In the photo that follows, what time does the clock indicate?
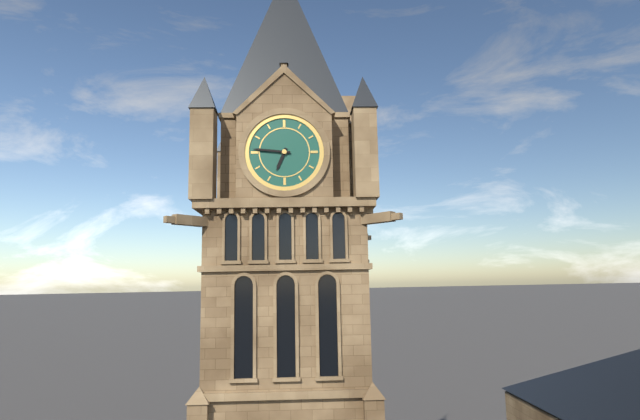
6:46
